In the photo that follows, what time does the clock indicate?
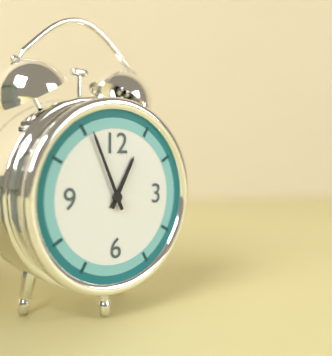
12:56
